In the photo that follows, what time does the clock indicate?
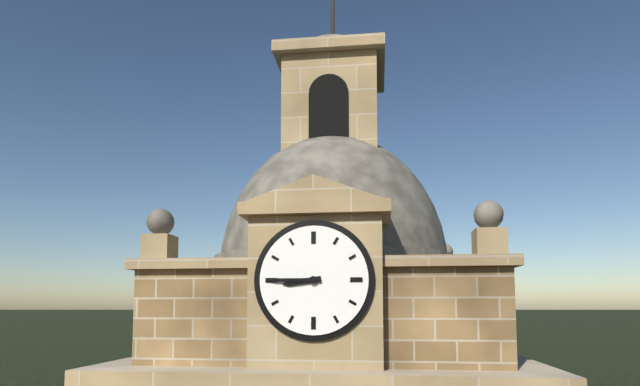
8:45
